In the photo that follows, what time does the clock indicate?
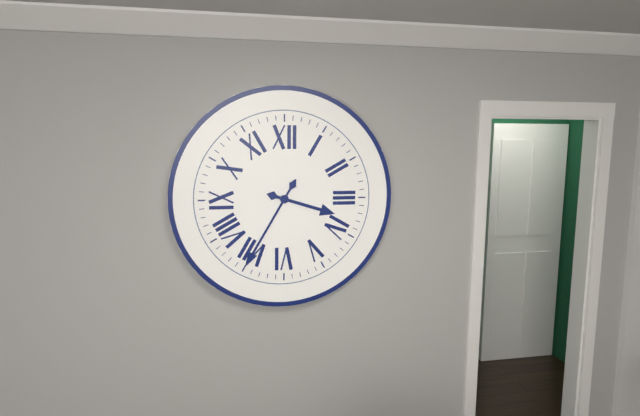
3:35
